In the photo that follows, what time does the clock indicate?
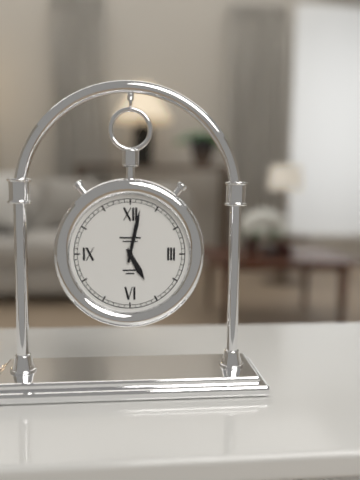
5:02
